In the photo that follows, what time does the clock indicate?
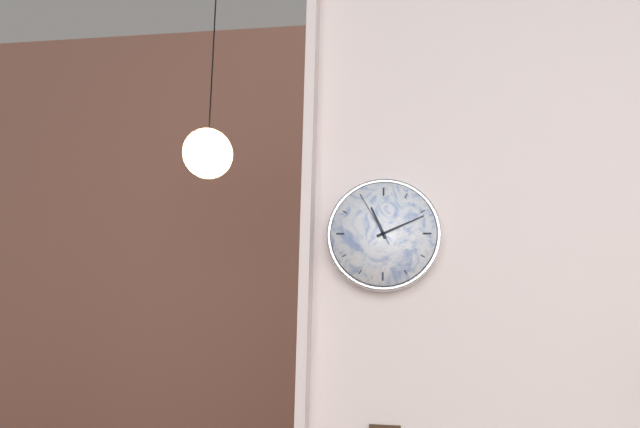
11:11:55
